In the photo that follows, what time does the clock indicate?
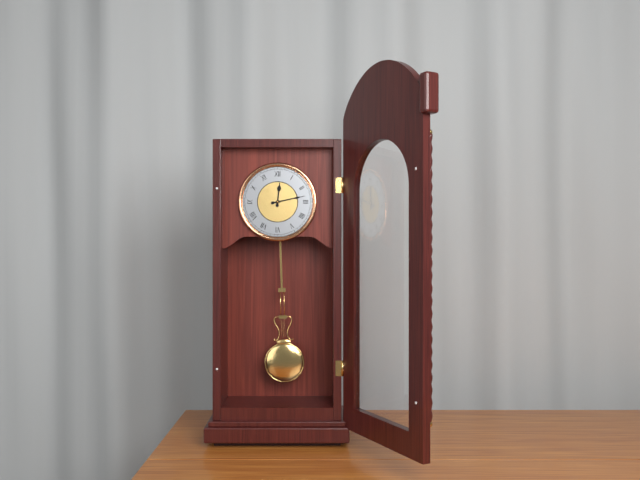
12:13
